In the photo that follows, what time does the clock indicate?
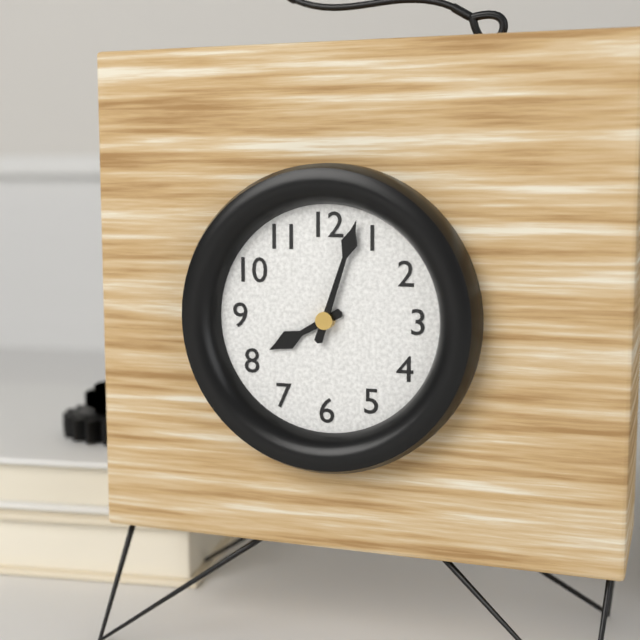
8:03
